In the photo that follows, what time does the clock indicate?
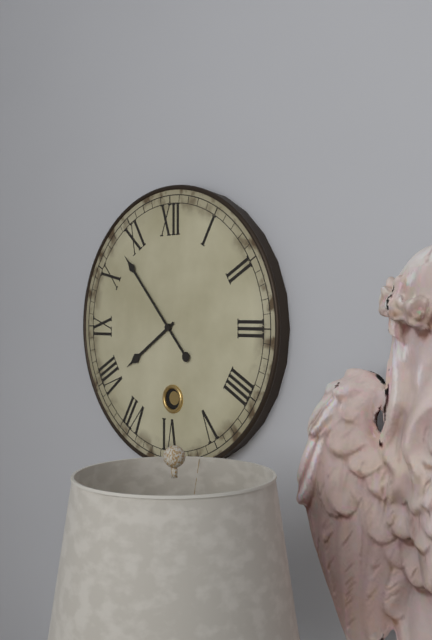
7:53
